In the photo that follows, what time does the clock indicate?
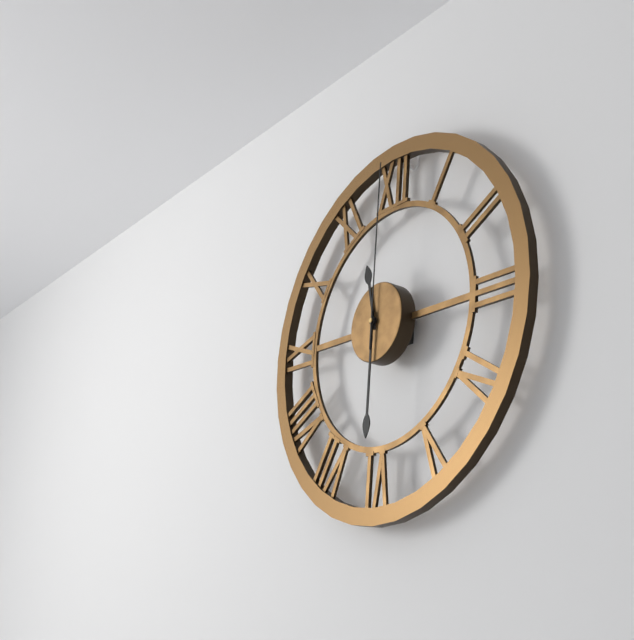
11:30:00
